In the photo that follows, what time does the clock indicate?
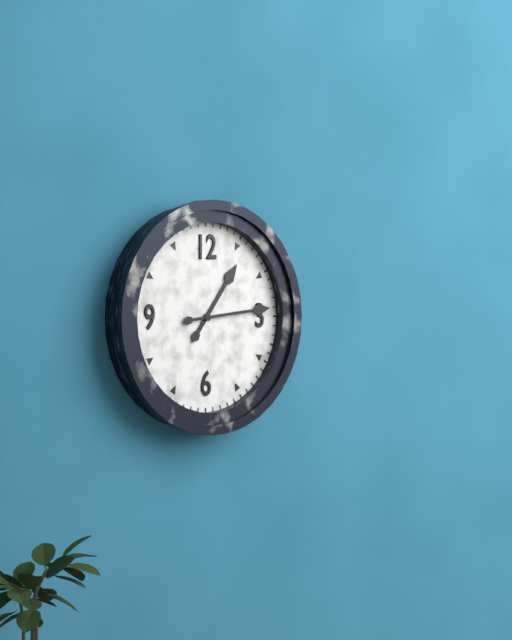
1:14
